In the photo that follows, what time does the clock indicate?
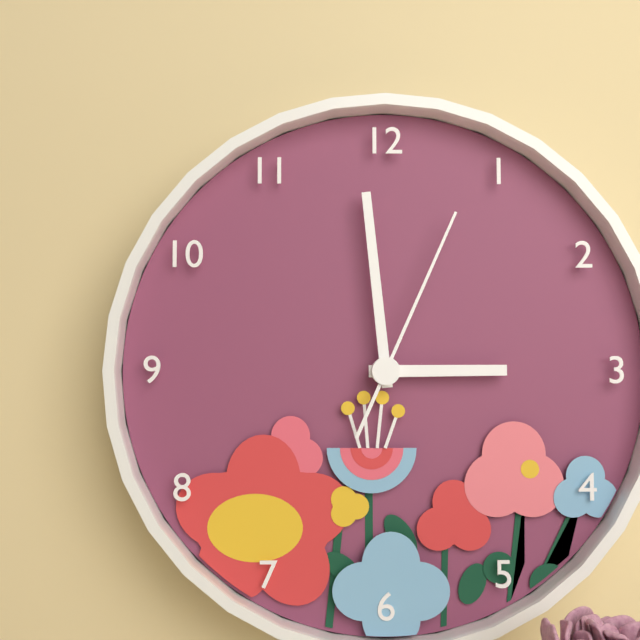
2:59:04
